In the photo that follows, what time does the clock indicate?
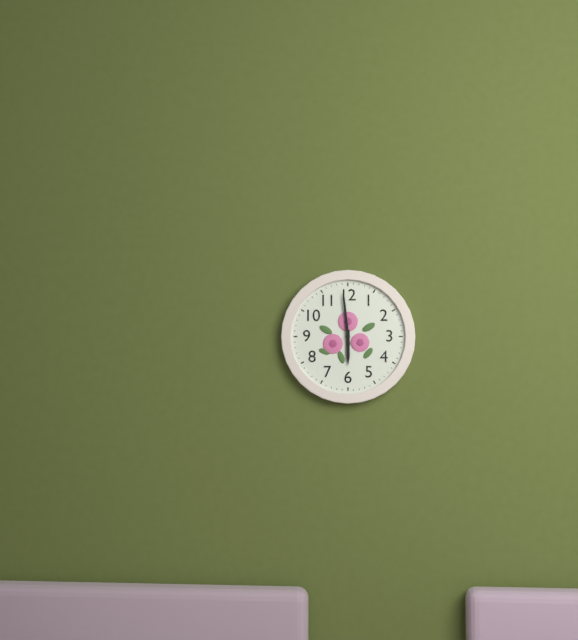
5:59
